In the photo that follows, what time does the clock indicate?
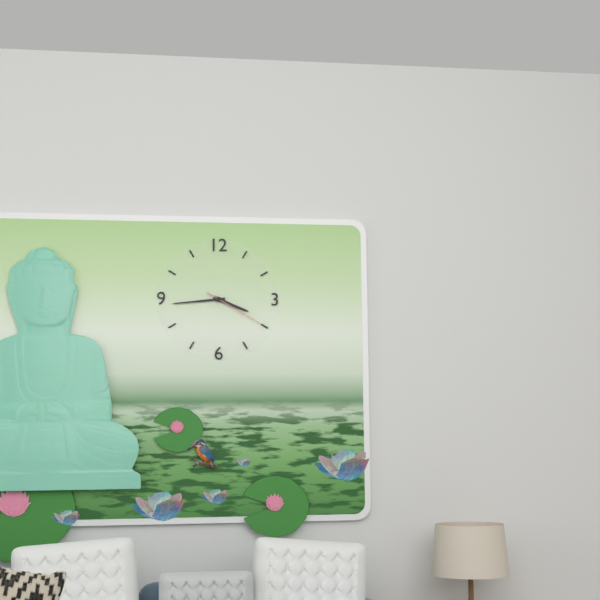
3:44:20
